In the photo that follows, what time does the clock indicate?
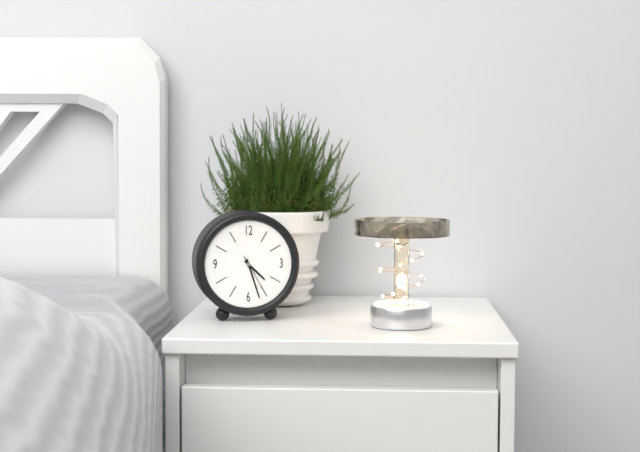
4:27
